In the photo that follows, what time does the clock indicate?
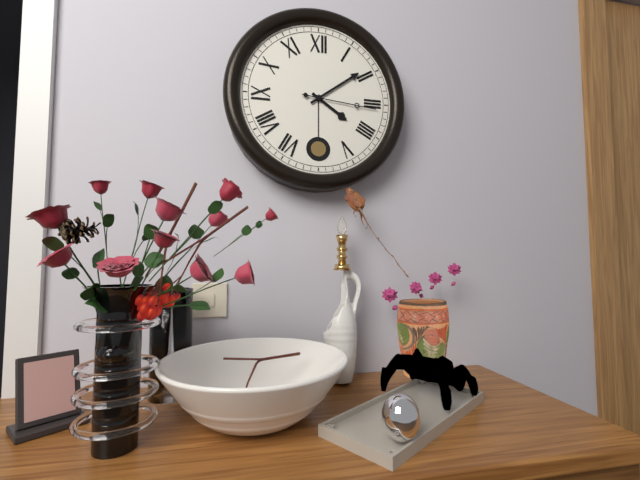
4:09:16
